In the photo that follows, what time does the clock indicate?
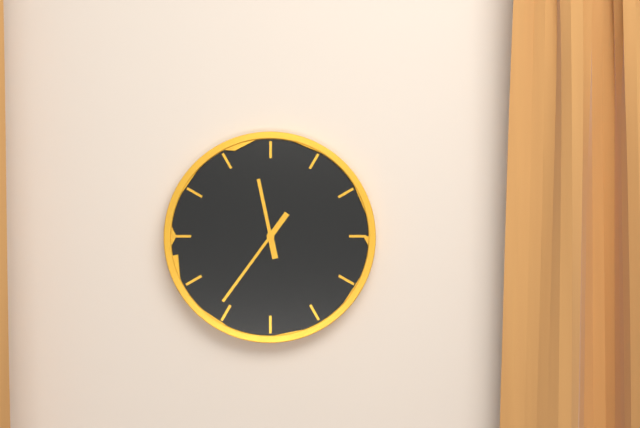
11:36
